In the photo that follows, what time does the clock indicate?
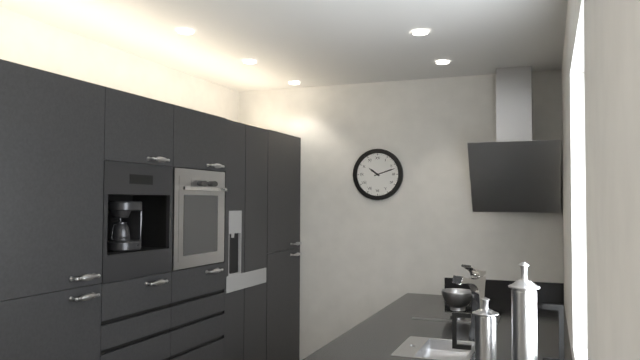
10:12
